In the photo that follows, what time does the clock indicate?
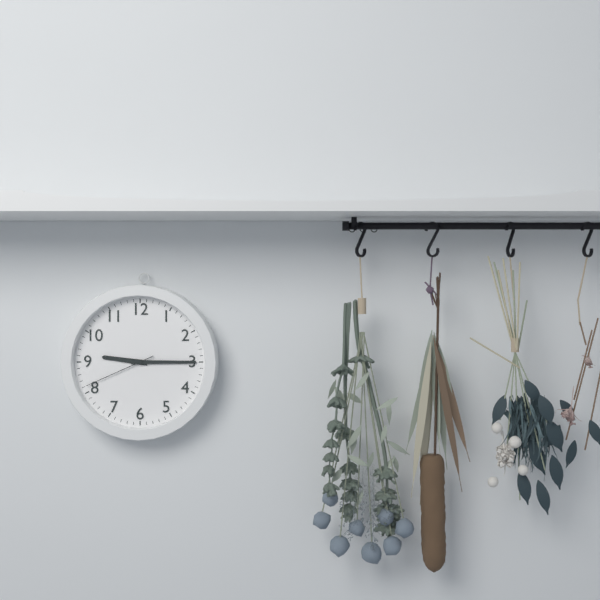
9:15:41
